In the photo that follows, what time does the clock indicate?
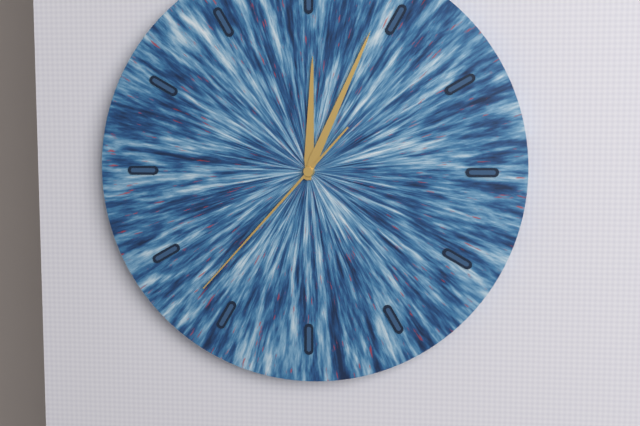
12:04:37
